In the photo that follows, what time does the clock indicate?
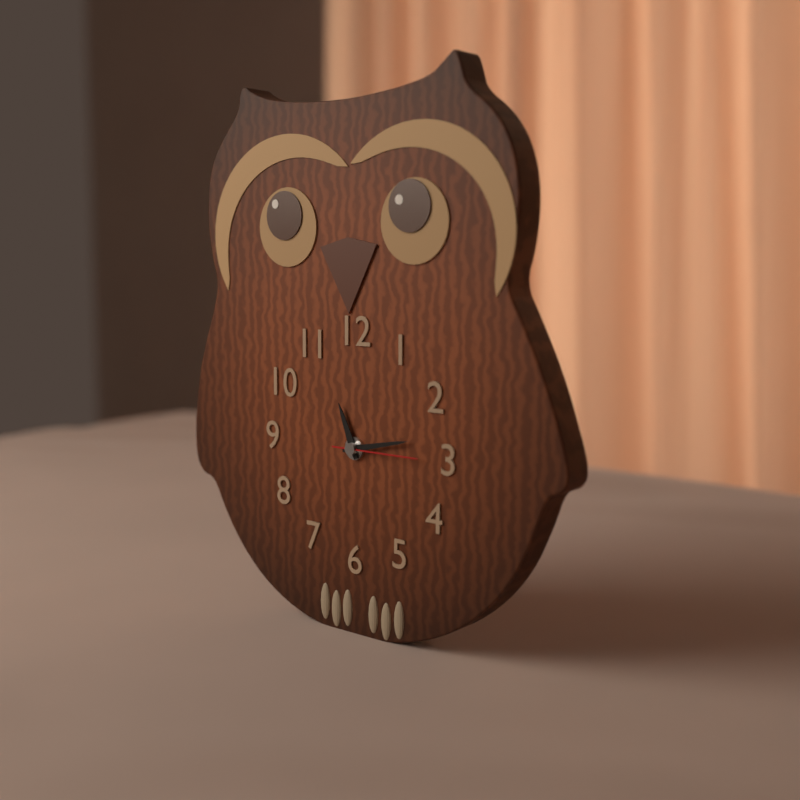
11:13:15
